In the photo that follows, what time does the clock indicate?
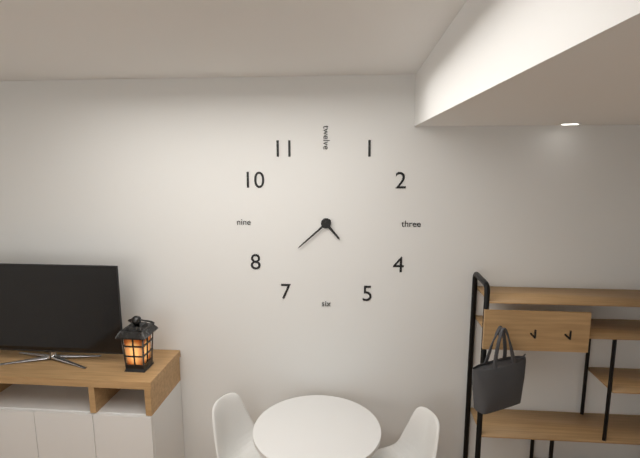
4:38
